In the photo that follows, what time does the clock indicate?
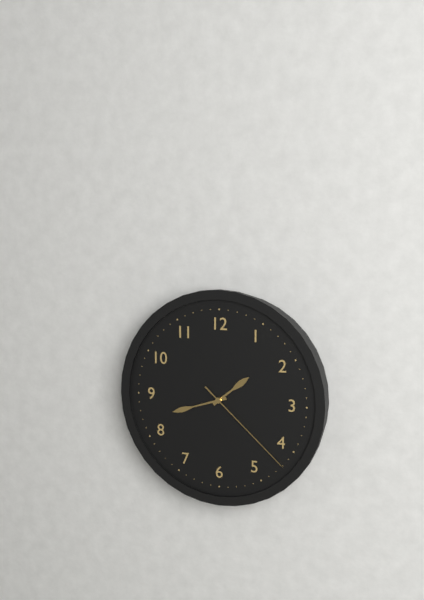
1:42:22
